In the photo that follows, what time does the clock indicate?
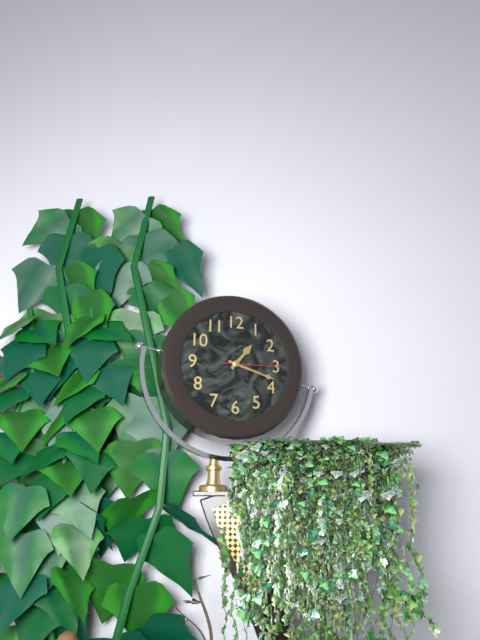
1:18:15
